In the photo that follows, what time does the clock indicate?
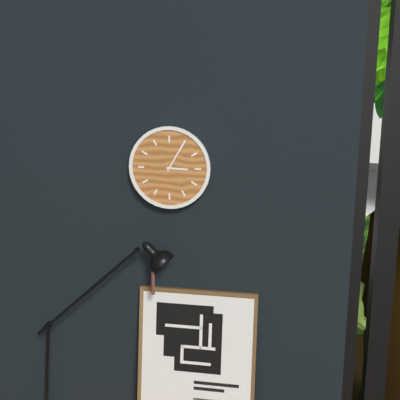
3:05
